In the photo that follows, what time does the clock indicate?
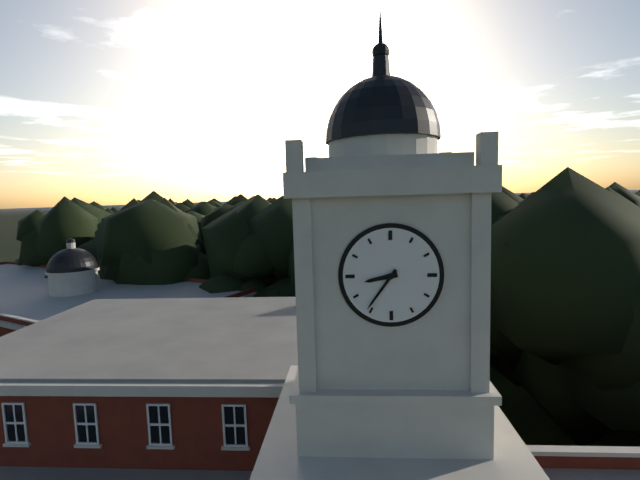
8:36
